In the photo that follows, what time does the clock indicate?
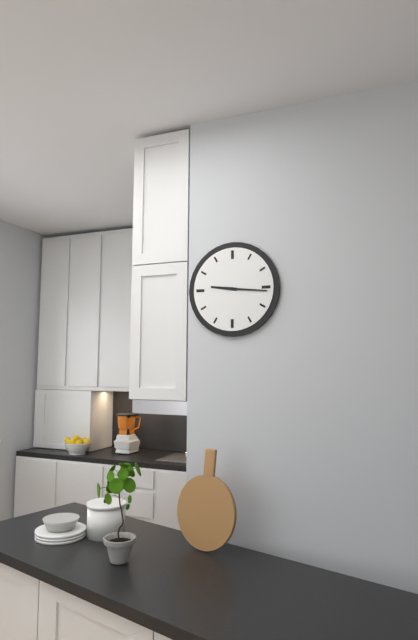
9:16
